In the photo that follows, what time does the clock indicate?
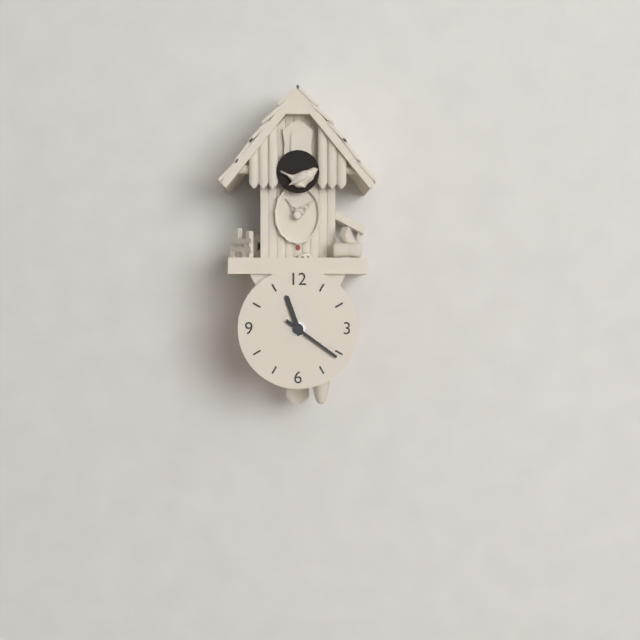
11:21
